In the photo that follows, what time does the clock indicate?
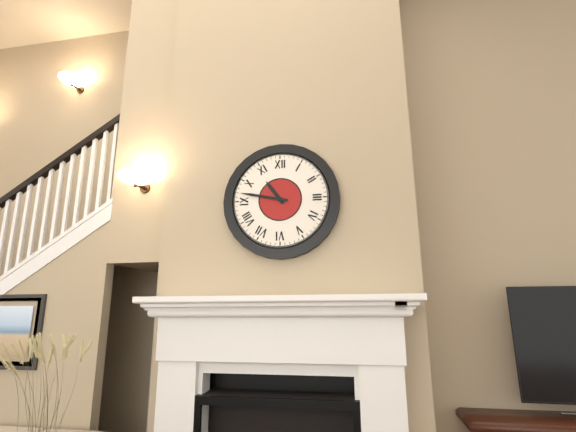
10:47
